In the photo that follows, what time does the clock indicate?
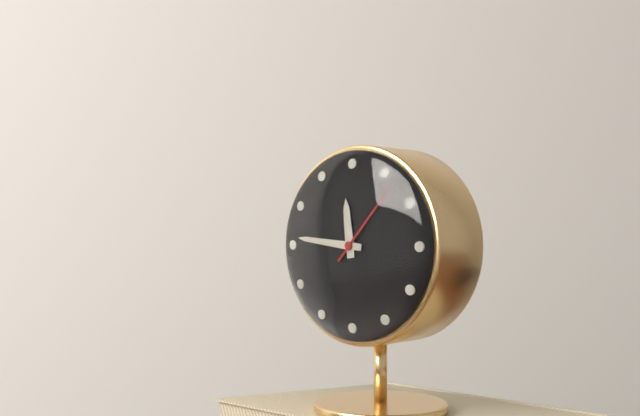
11:46:07
